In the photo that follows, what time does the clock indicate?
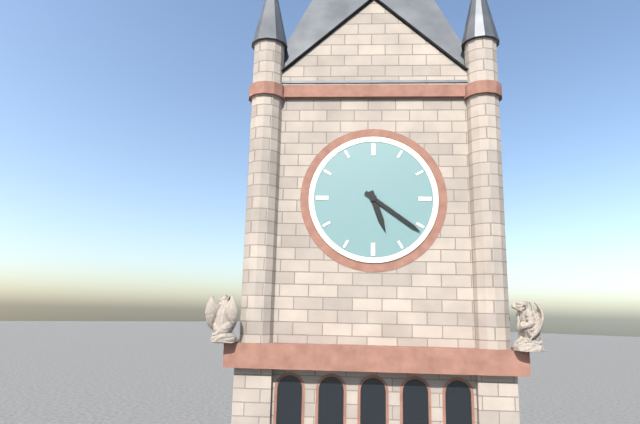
5:21
